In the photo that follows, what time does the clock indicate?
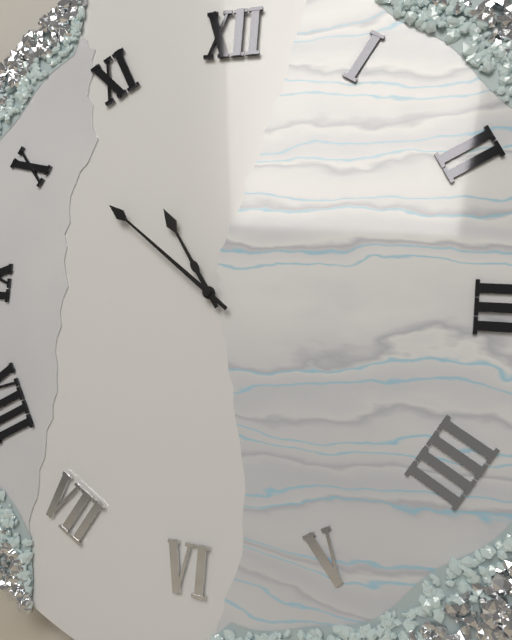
10:51
